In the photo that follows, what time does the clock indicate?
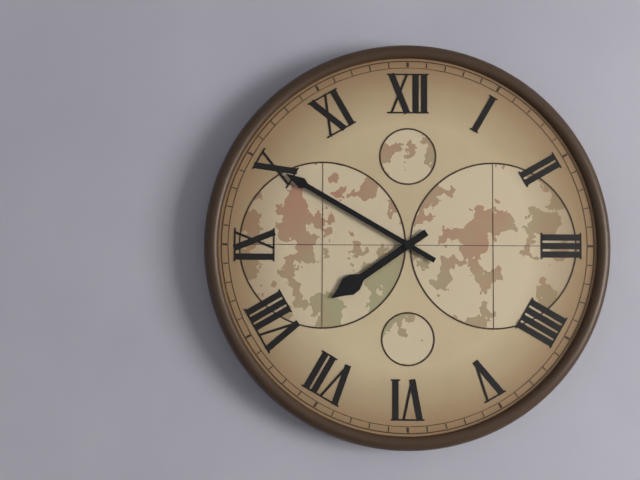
7:50
